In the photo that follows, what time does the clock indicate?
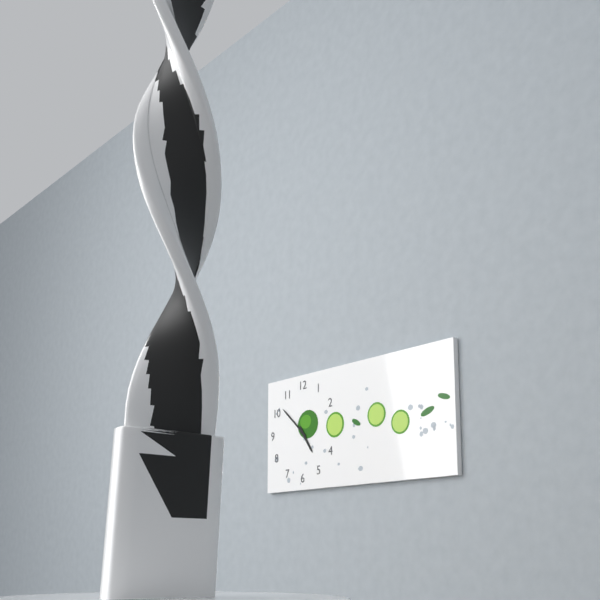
4:52
